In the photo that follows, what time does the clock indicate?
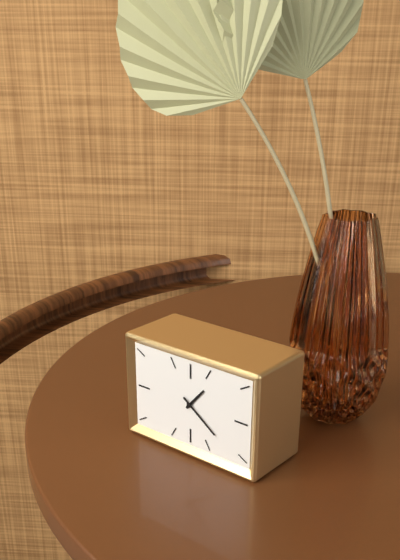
1:21
